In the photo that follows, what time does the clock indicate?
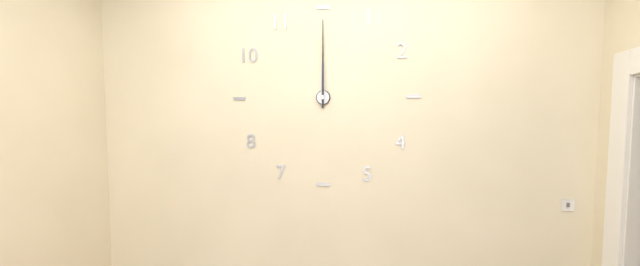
12:00
